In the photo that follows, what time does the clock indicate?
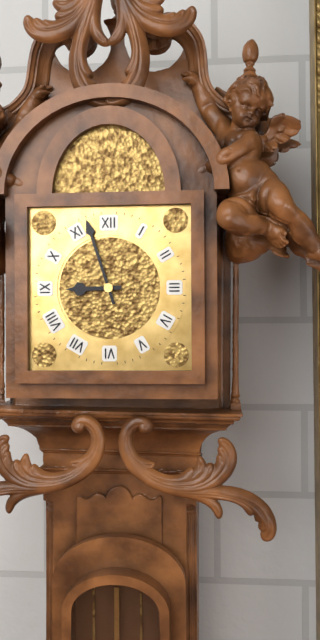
8:57
